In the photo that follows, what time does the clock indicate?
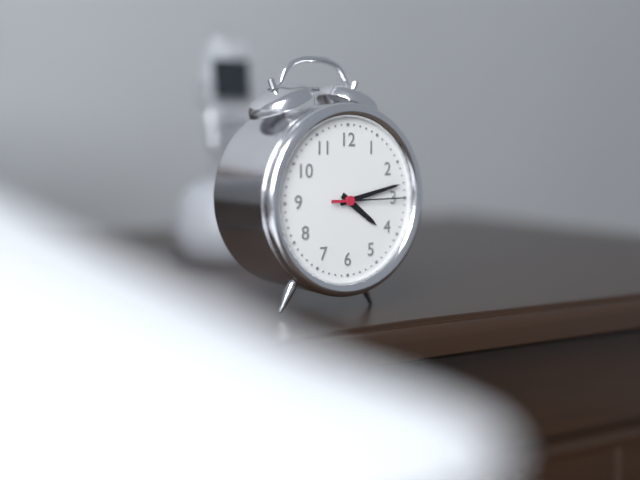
4:13:15
